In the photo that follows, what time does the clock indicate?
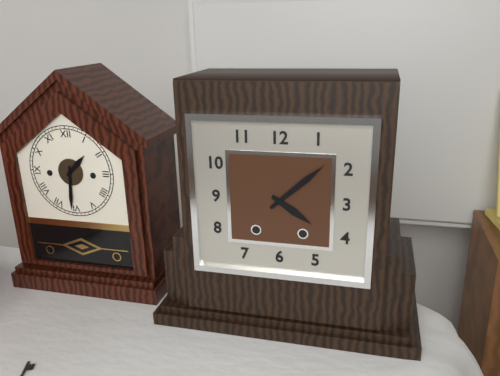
4:08
